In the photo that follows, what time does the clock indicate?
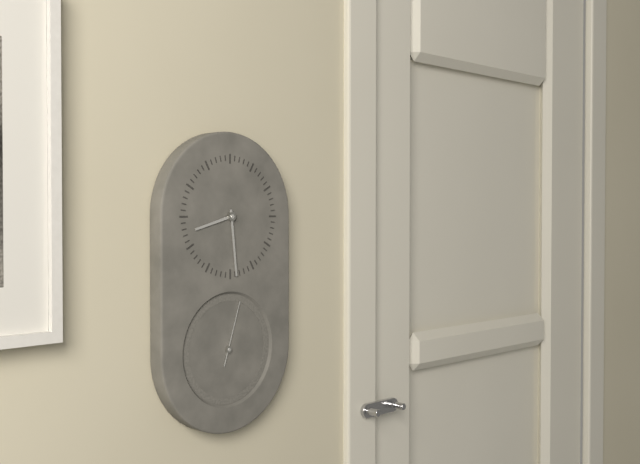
8:29:03
